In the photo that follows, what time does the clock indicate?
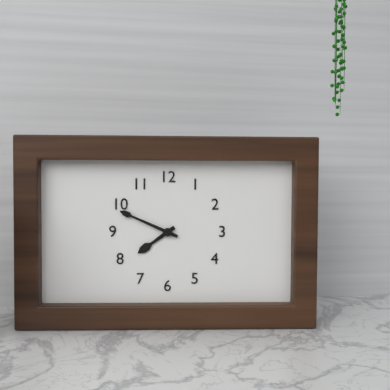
7:49
